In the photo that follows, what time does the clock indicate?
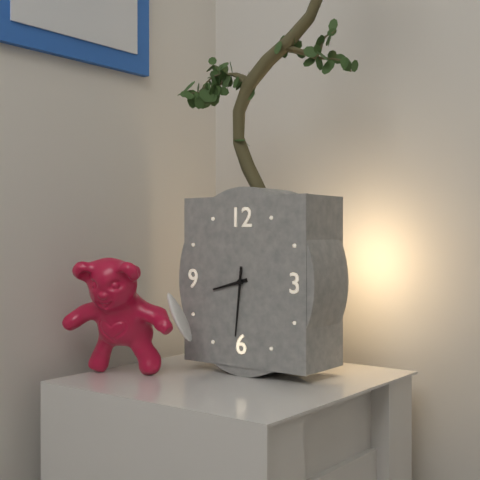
8:31
